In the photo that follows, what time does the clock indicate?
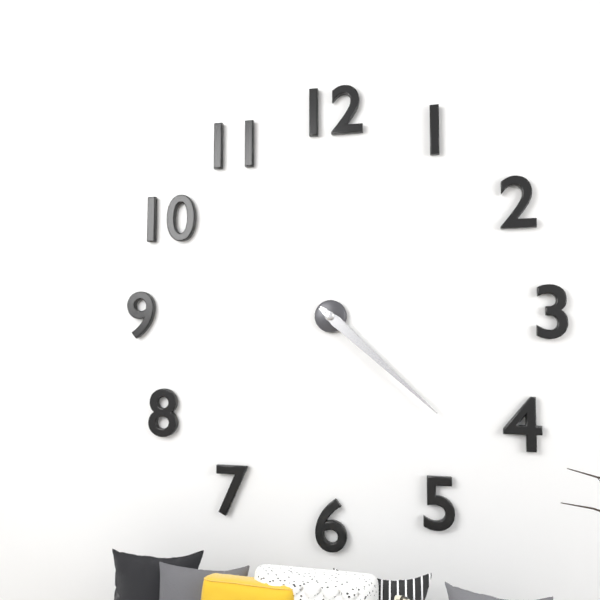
4:22
